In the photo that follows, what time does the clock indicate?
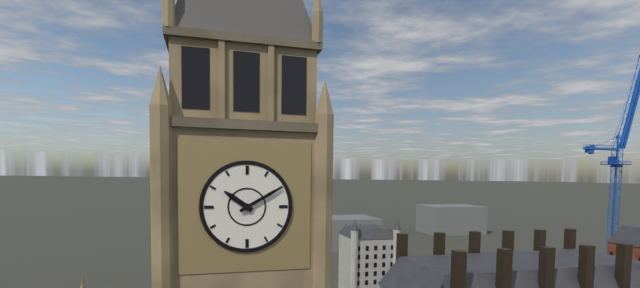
10:10
